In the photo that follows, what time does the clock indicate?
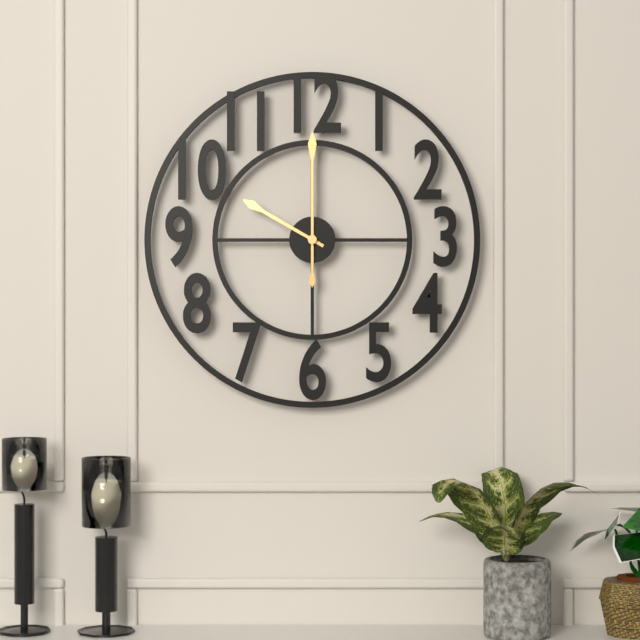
10:00
